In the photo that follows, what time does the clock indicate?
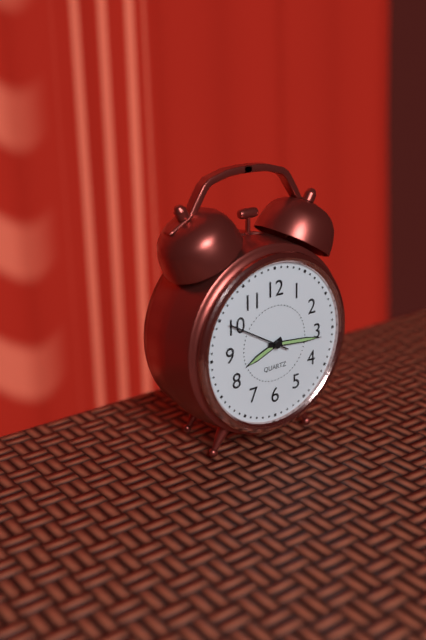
8:16:50
